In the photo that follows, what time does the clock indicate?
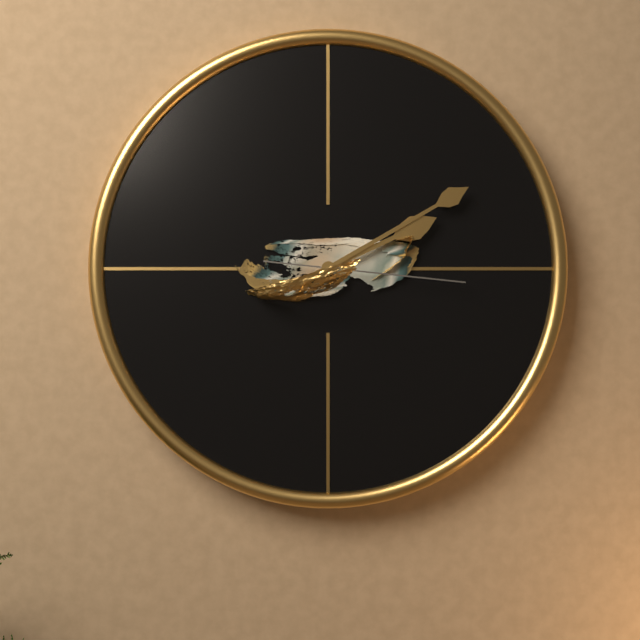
2:10:16
